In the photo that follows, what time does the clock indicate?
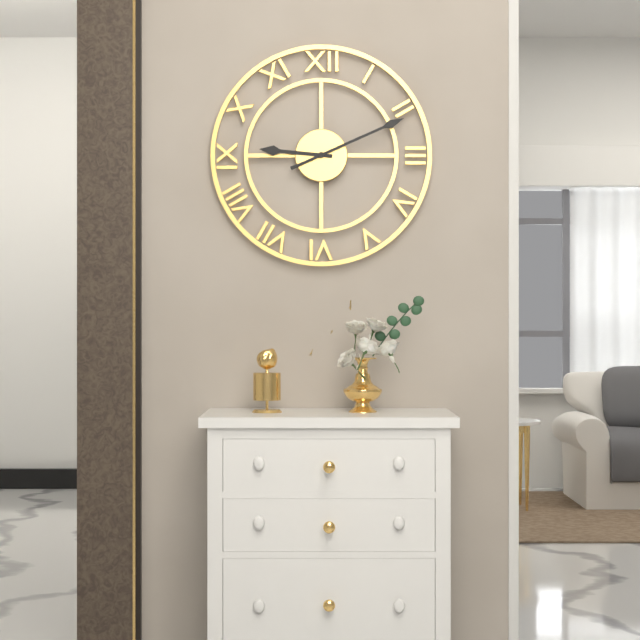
9:11
